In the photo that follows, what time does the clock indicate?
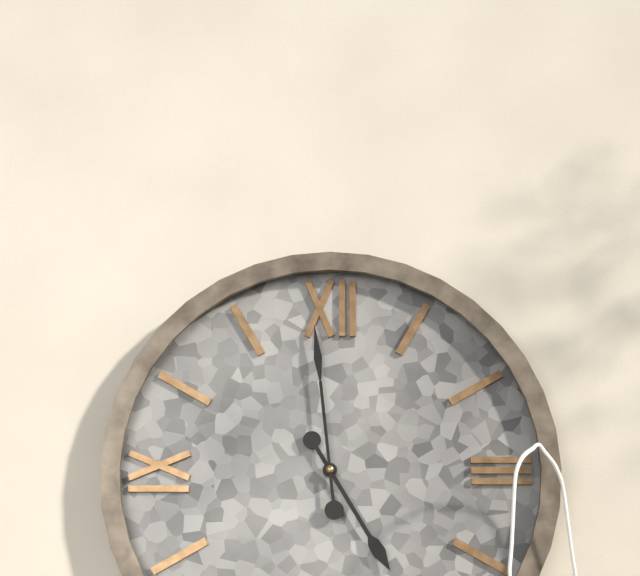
4:59
